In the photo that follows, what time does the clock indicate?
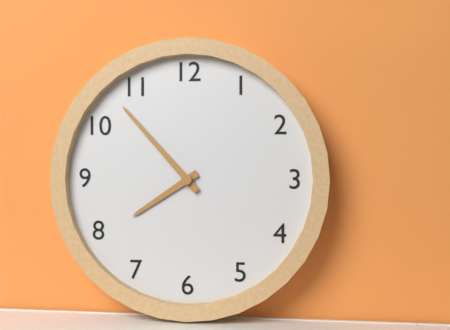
7:53
